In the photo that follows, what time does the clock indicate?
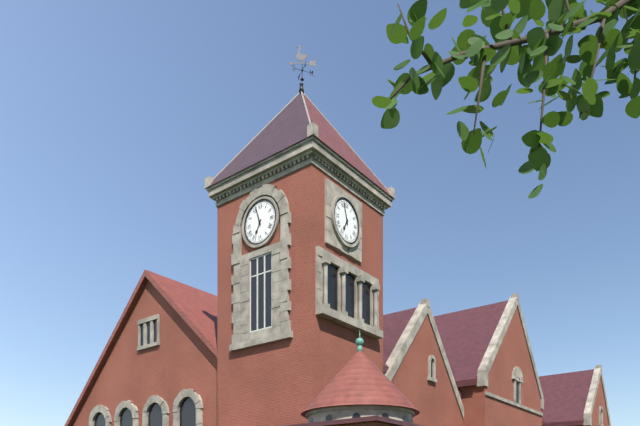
6:57
